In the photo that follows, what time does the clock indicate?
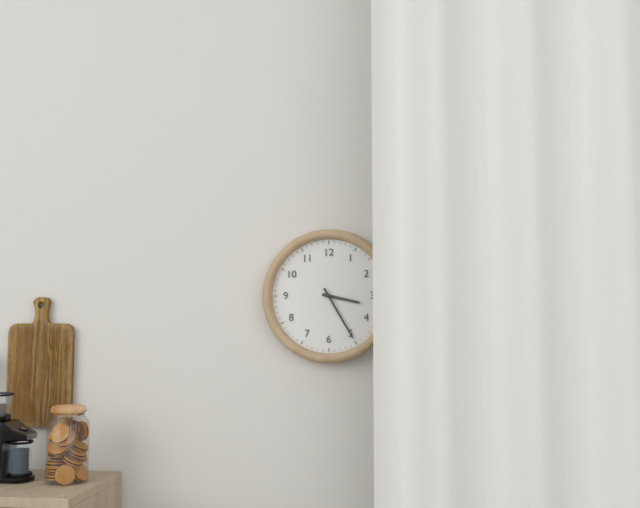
3:25
